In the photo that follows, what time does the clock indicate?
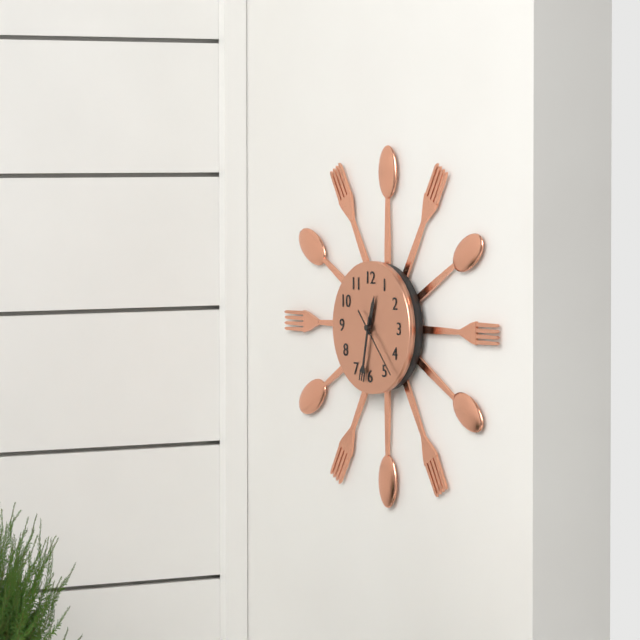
12:32:23
